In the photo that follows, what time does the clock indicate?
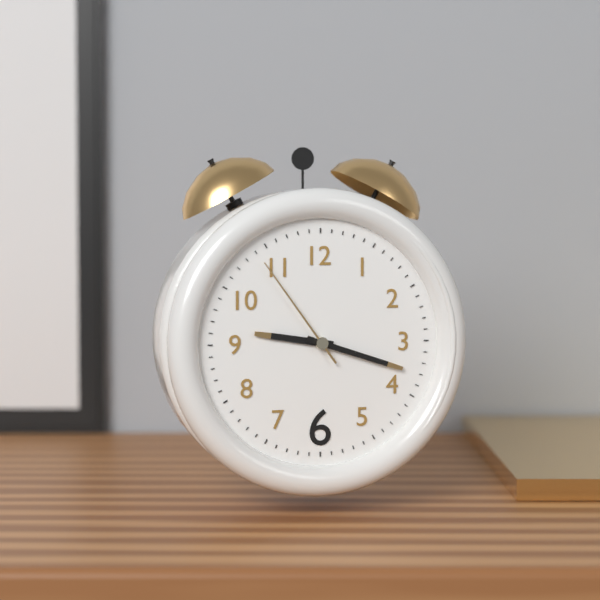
9:18:54
